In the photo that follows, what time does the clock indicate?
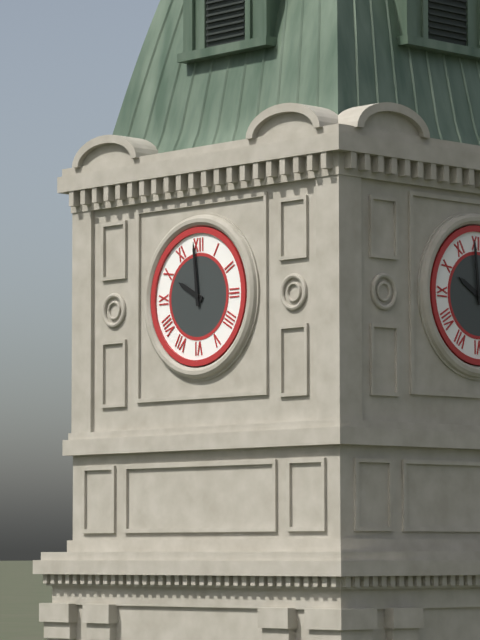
9:59
